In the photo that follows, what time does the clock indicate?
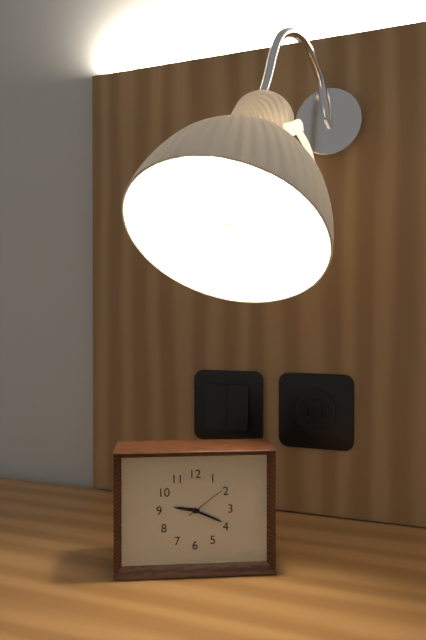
9:19
